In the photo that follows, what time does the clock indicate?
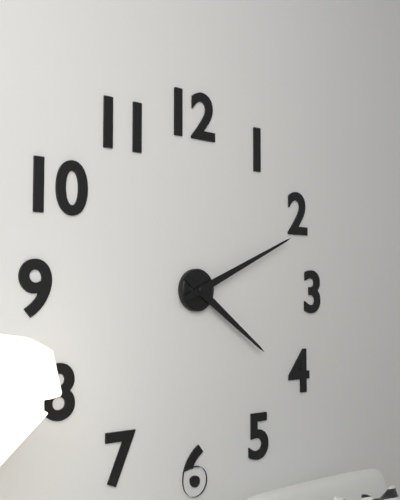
4:11
